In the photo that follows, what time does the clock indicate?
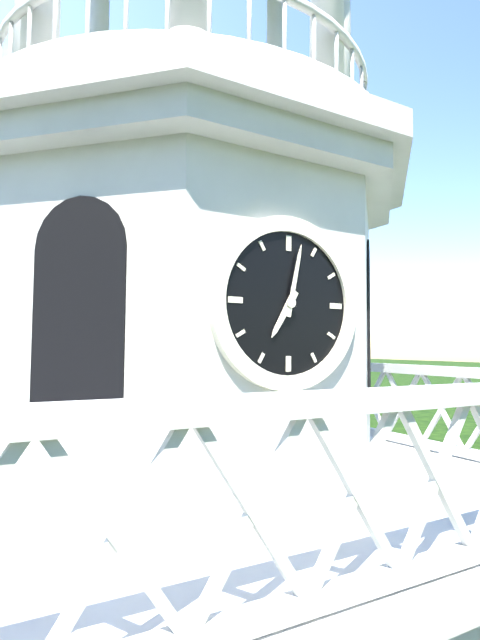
7:02
